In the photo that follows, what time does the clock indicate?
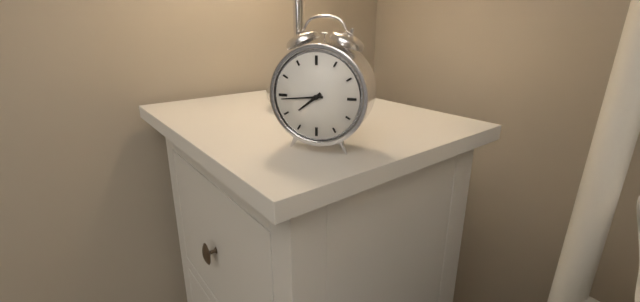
7:44
